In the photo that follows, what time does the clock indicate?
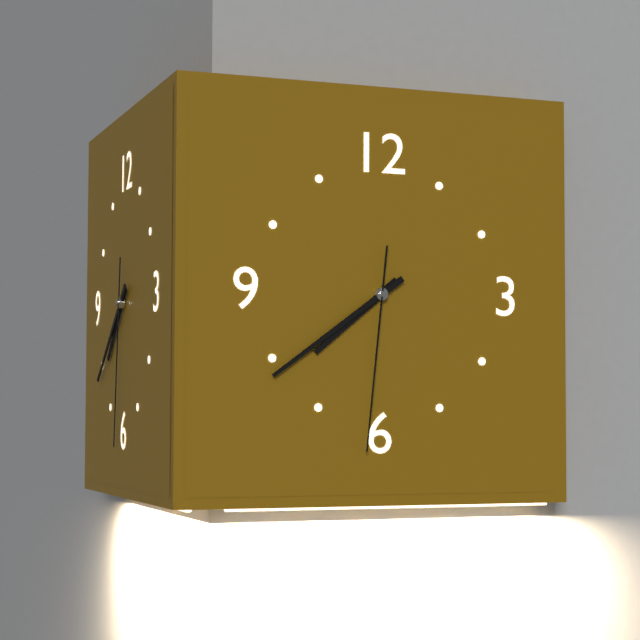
7:39:31
